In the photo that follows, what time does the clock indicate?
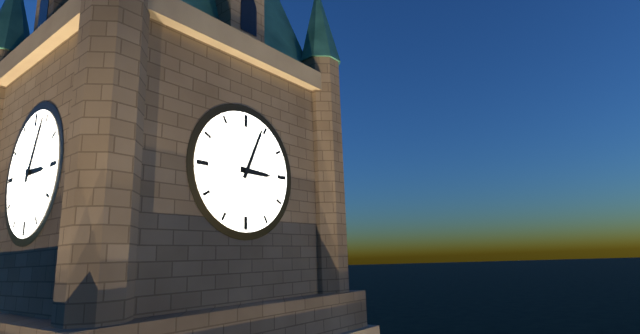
3:04
